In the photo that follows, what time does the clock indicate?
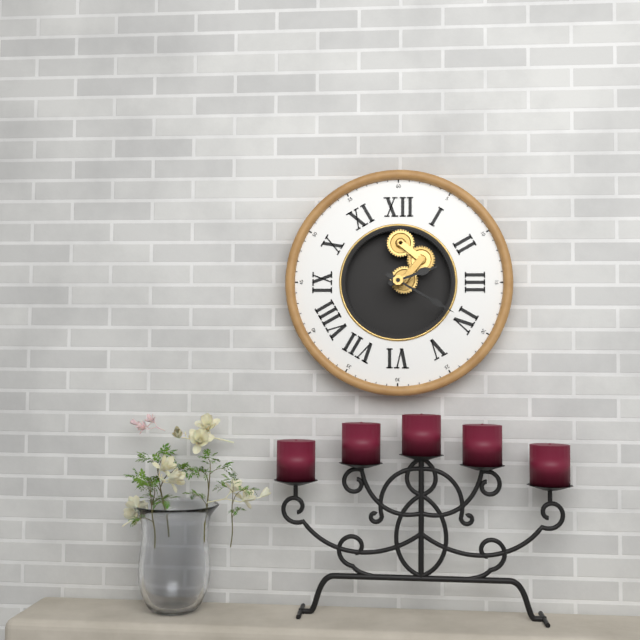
2:20
